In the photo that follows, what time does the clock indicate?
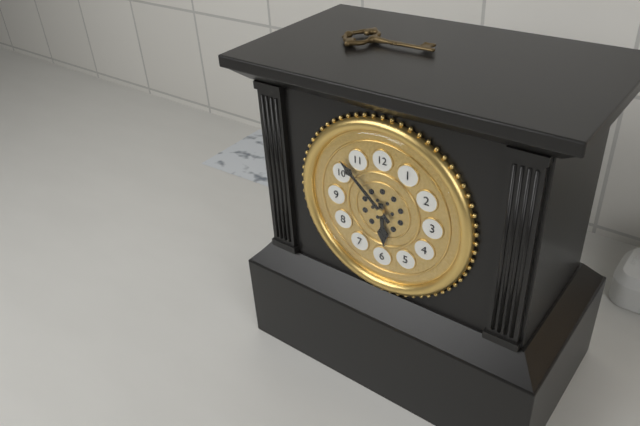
5:52
